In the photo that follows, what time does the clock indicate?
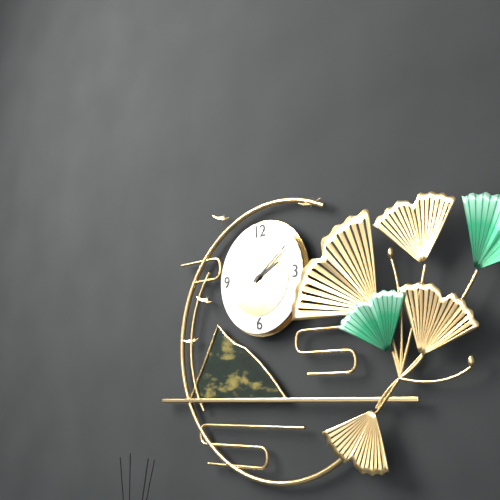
2:09
